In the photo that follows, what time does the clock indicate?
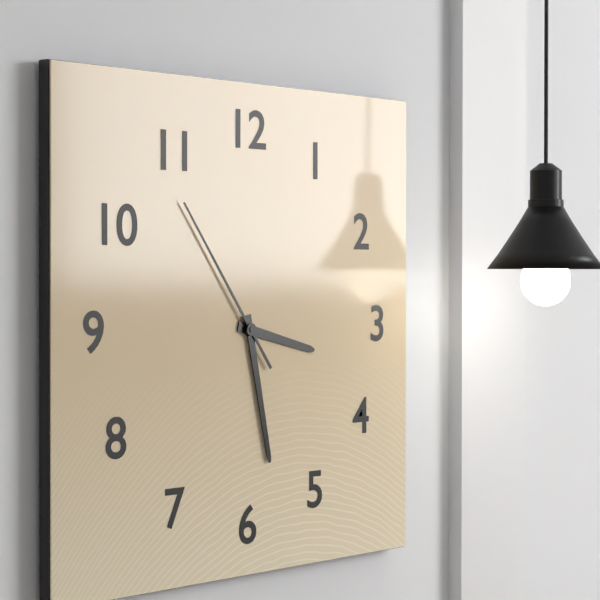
3:28:54
